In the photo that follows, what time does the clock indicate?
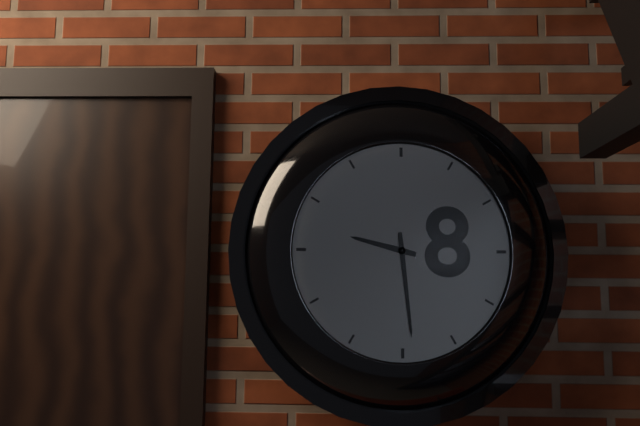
9:29
